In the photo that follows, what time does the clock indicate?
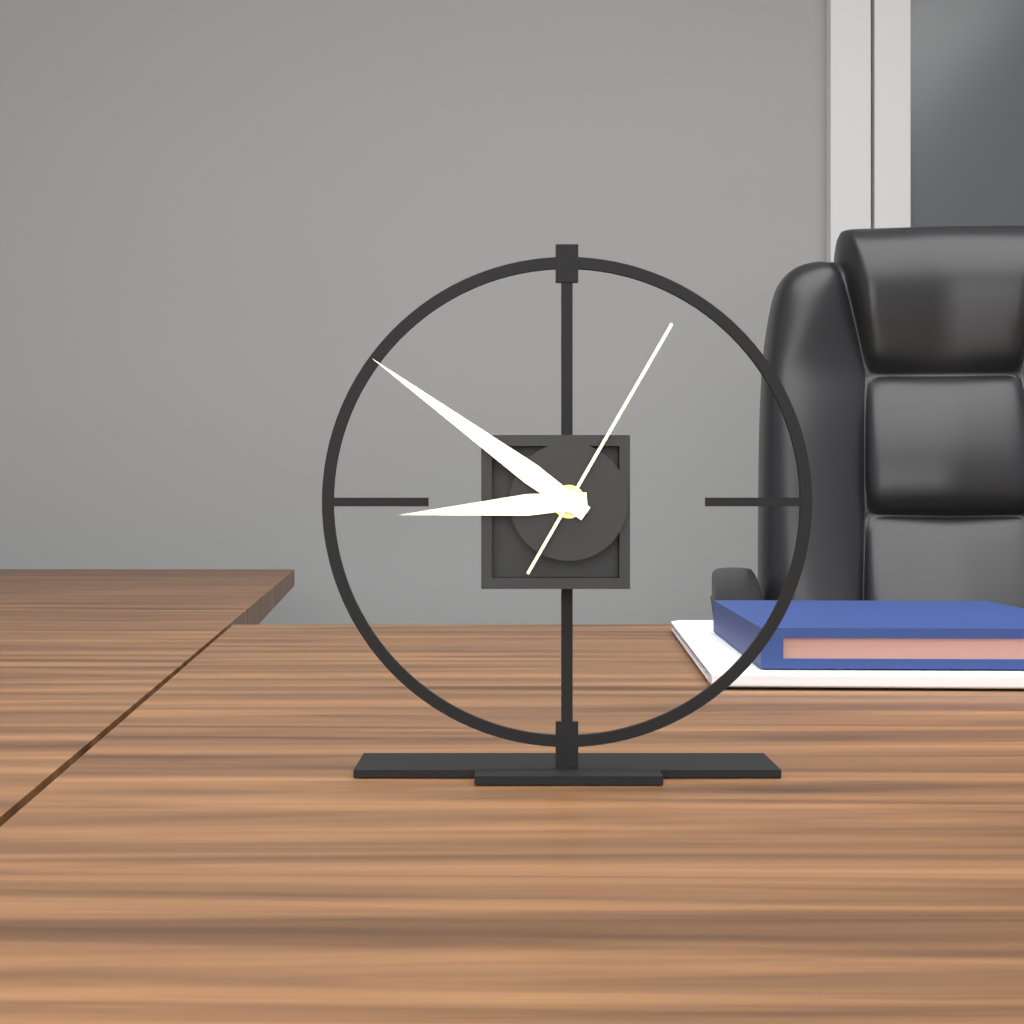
8:51:05
